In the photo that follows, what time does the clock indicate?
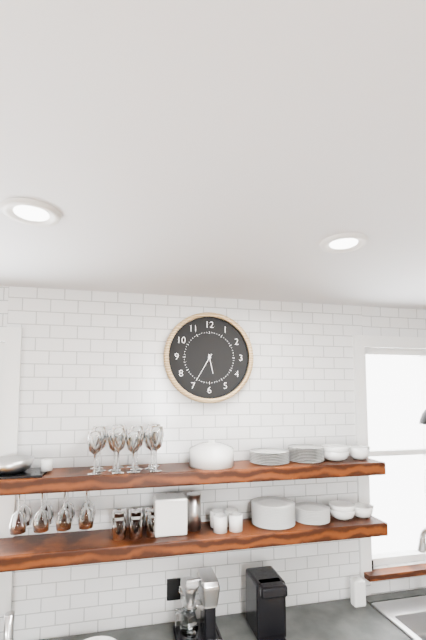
5:35
